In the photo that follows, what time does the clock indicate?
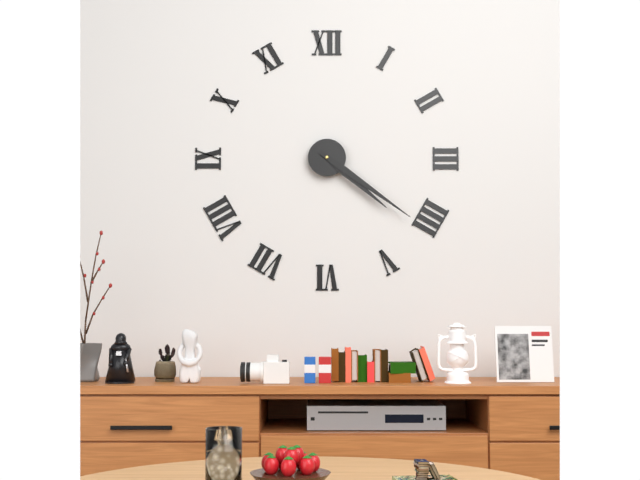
4:21
